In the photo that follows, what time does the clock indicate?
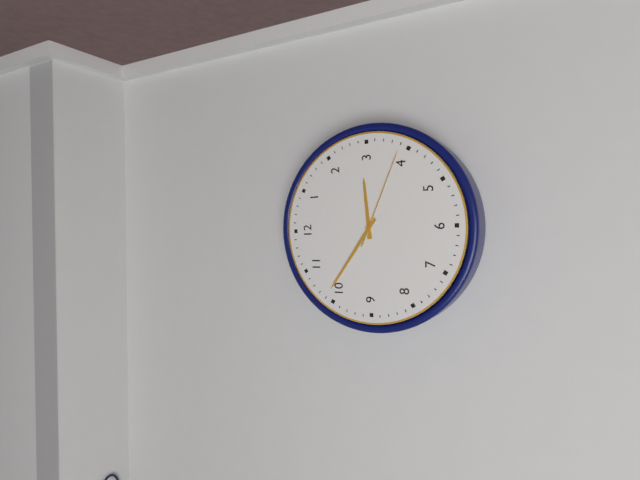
2:51:19
